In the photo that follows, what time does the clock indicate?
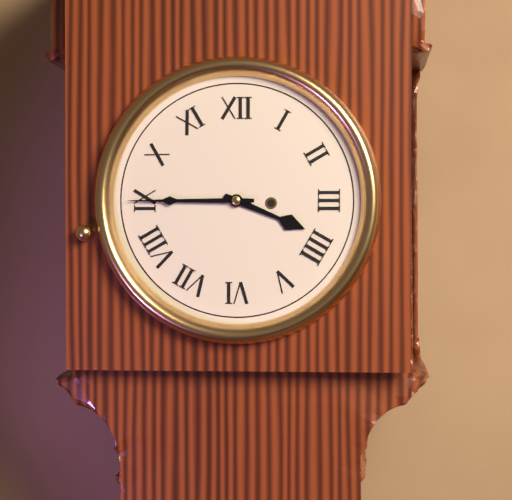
3:45
